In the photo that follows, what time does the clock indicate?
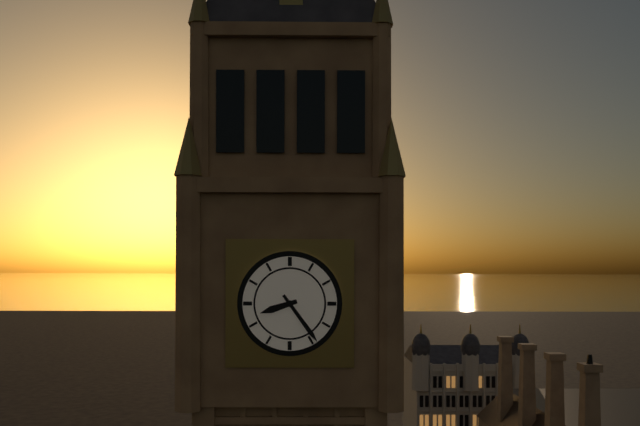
8:24
